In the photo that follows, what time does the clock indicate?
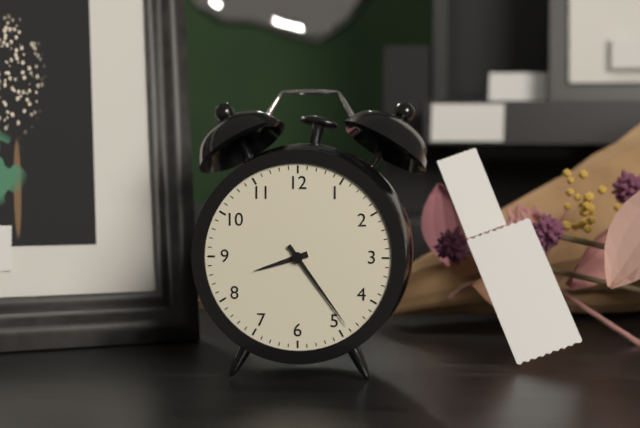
8:24
